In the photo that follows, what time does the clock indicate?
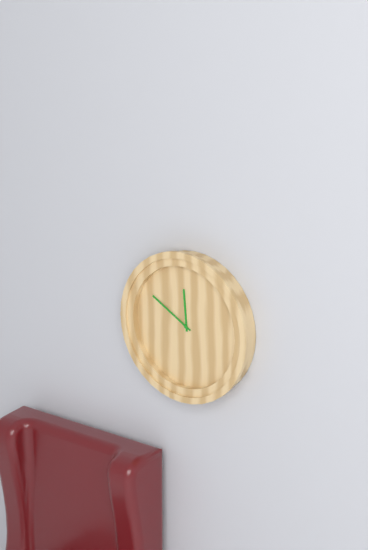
11:50
